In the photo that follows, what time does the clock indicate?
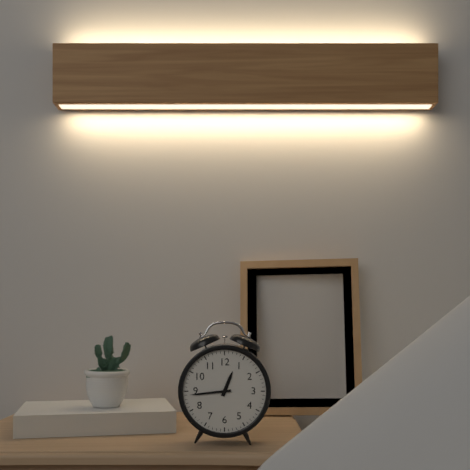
12:44
